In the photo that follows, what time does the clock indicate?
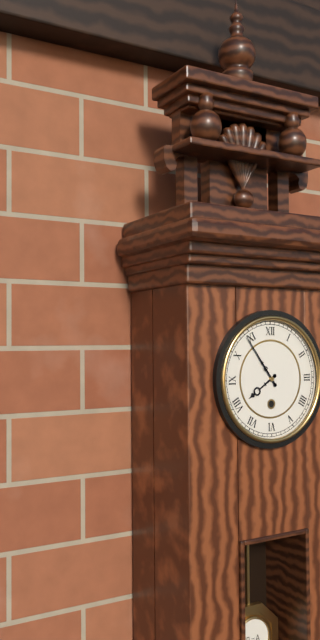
7:54
